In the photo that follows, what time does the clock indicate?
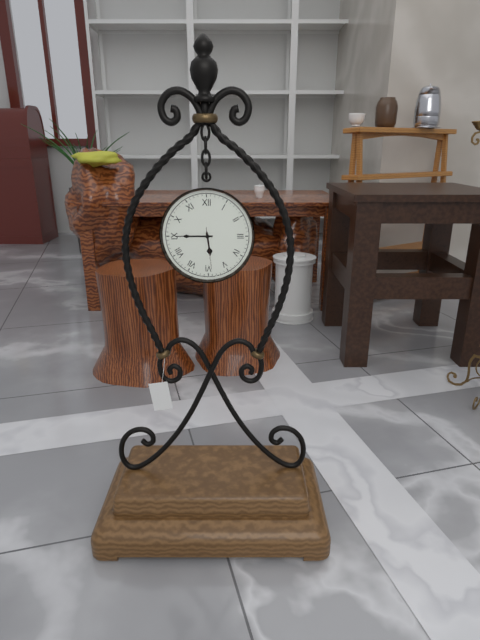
5:45
